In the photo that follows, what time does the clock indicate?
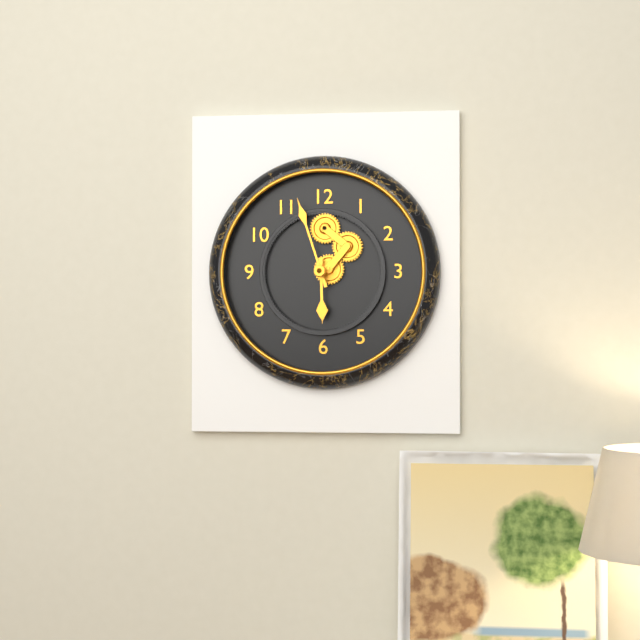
5:57
